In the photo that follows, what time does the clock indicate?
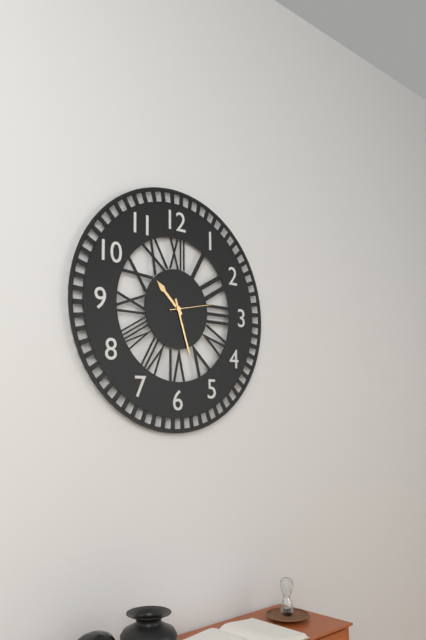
10:27:13
